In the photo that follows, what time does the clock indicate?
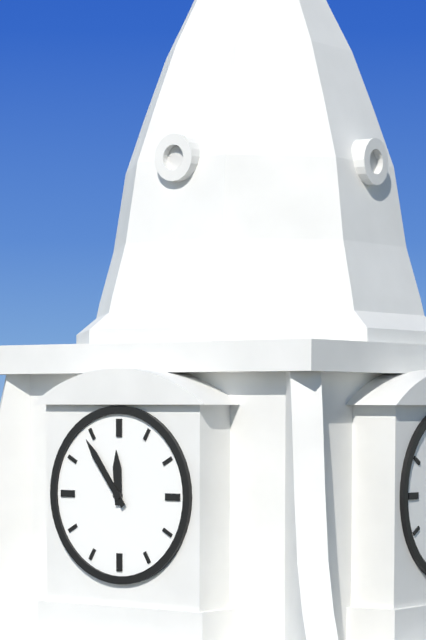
11:54
